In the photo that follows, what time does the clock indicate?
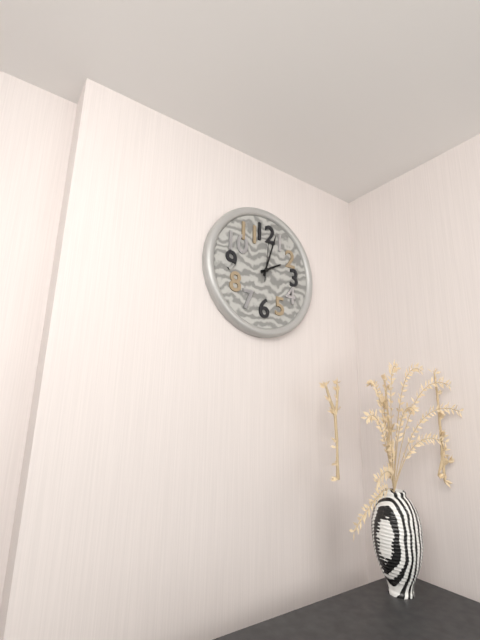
2:03
